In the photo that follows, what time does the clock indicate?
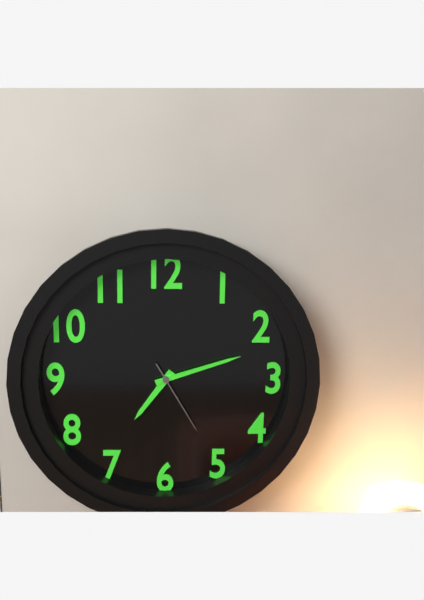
7:12:25
